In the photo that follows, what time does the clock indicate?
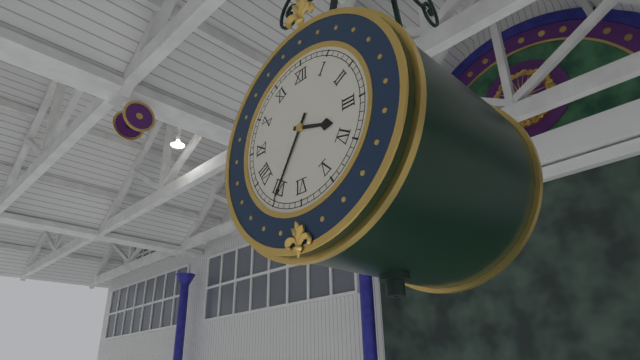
3:35
